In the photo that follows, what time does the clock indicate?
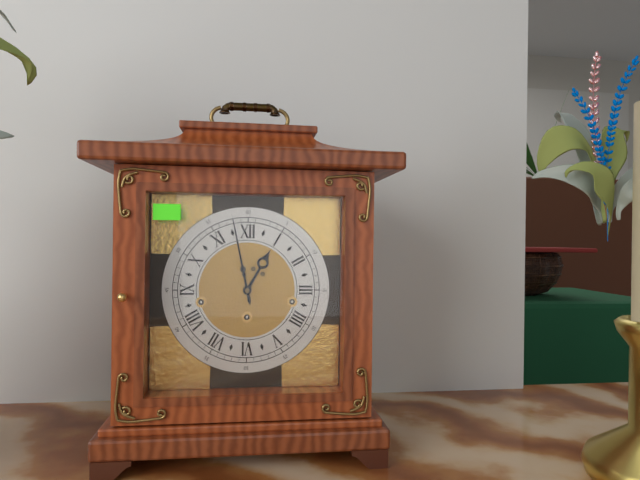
12:58
